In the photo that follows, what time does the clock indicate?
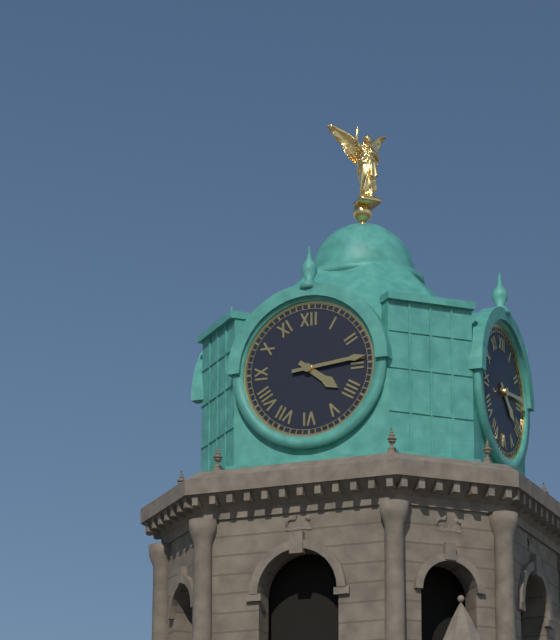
4:14
